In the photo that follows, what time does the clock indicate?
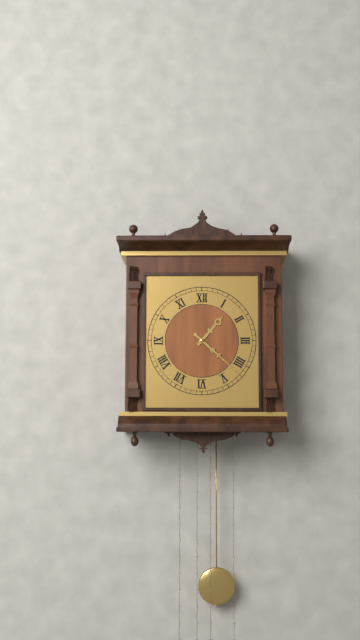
1:22
